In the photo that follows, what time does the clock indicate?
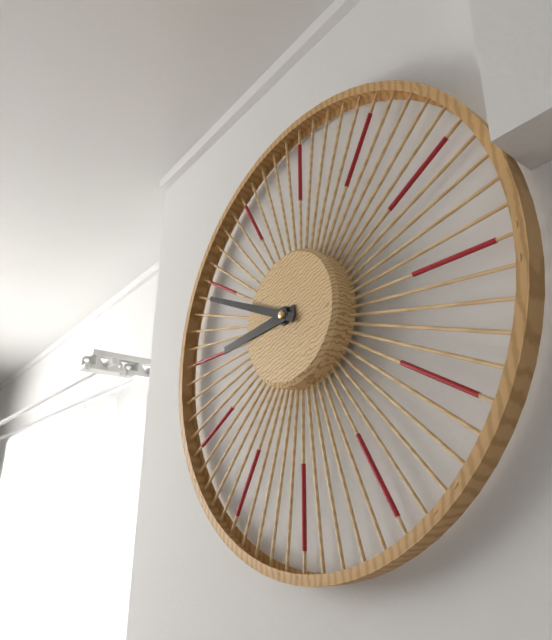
8:49
